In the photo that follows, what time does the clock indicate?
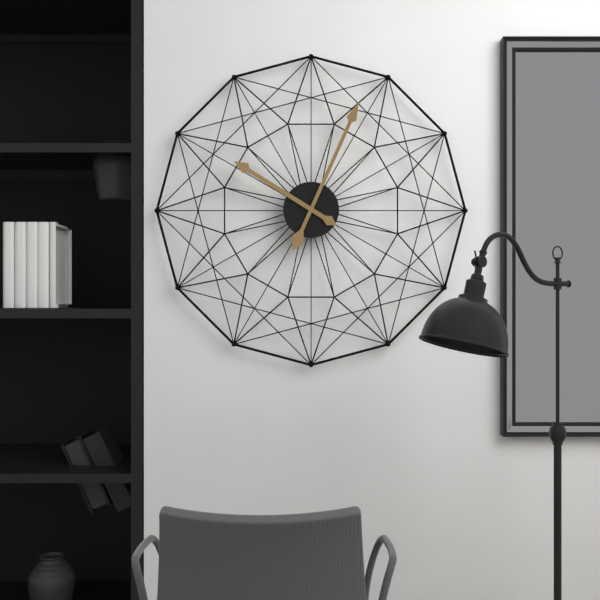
10:04
